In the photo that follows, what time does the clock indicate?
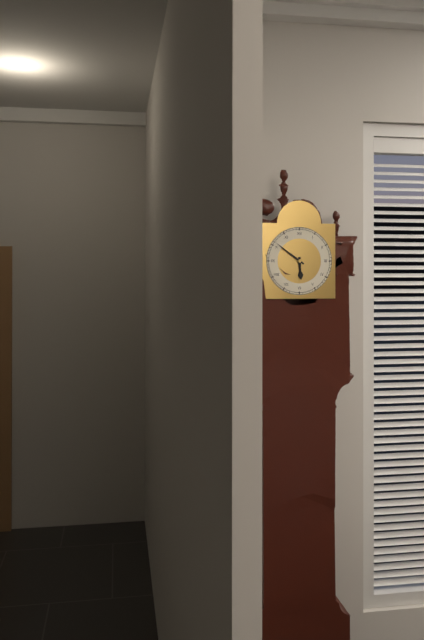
5:51
